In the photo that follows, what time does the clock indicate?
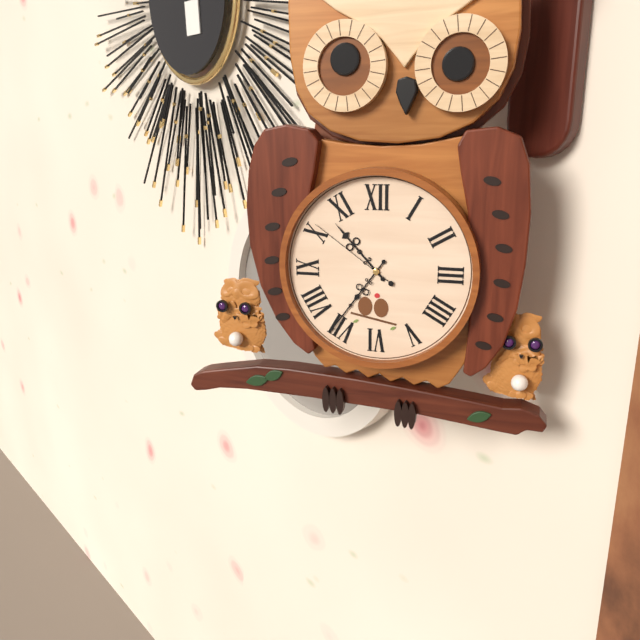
10:36:51
